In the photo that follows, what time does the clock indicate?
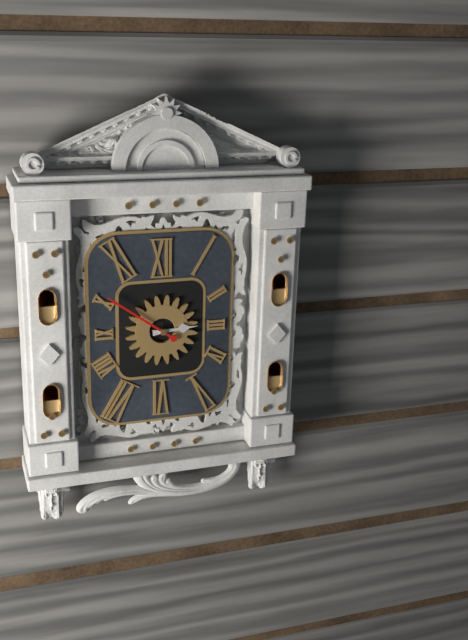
2:51
